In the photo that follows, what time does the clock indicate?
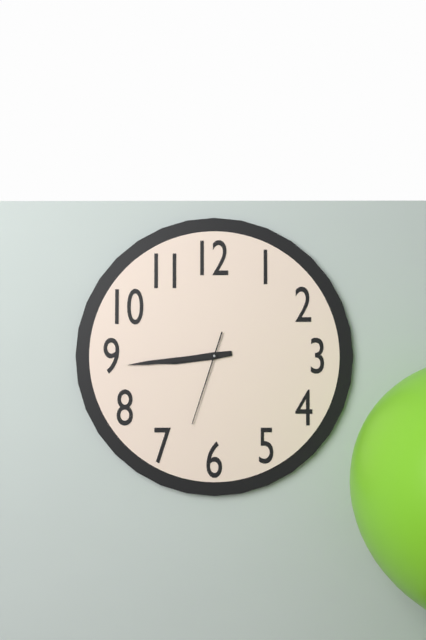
8:44:33
